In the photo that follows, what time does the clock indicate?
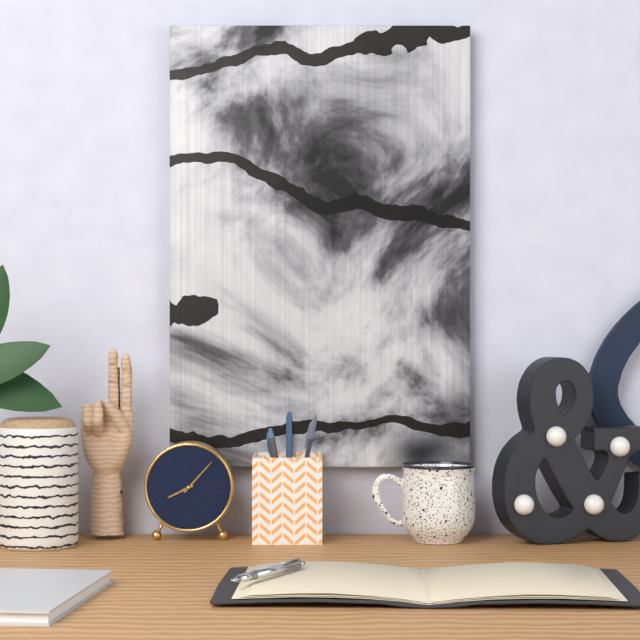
8:07
